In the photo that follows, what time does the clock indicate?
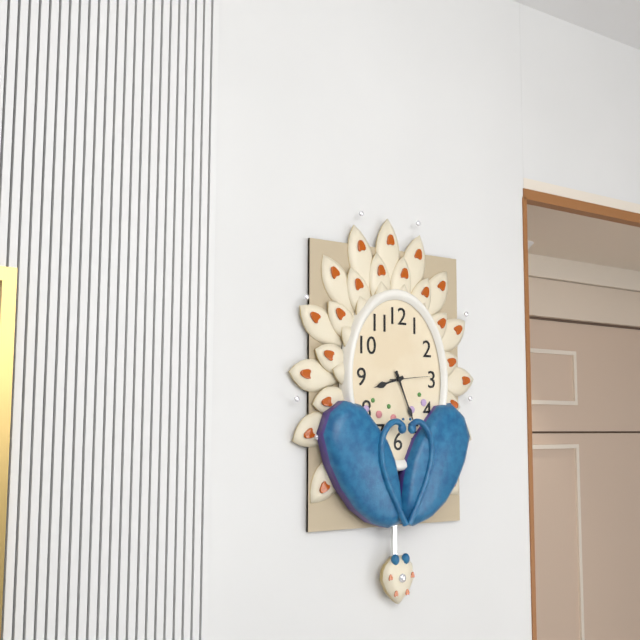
8:26
